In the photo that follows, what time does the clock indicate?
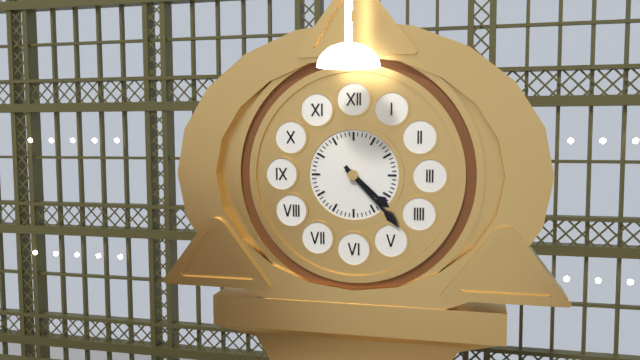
4:23
